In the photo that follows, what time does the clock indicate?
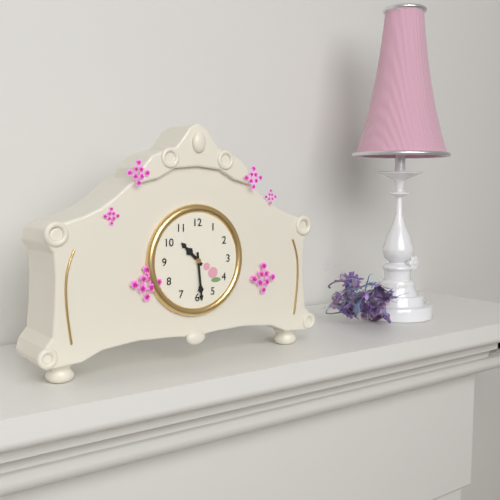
10:29
